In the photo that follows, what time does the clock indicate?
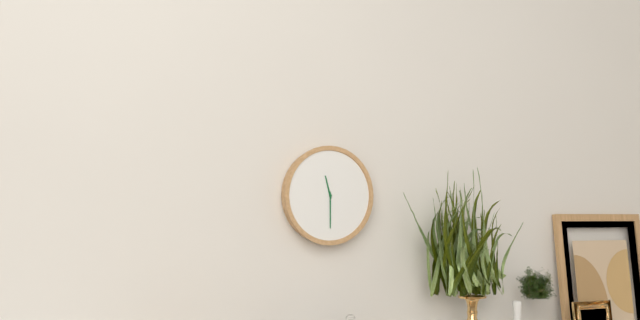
11:30
